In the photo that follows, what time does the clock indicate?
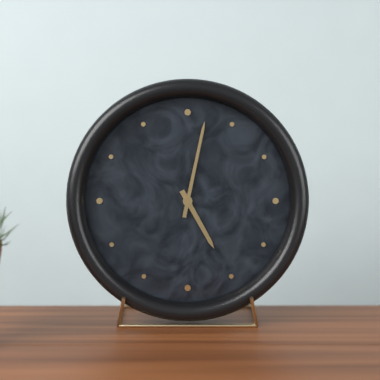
5:02
